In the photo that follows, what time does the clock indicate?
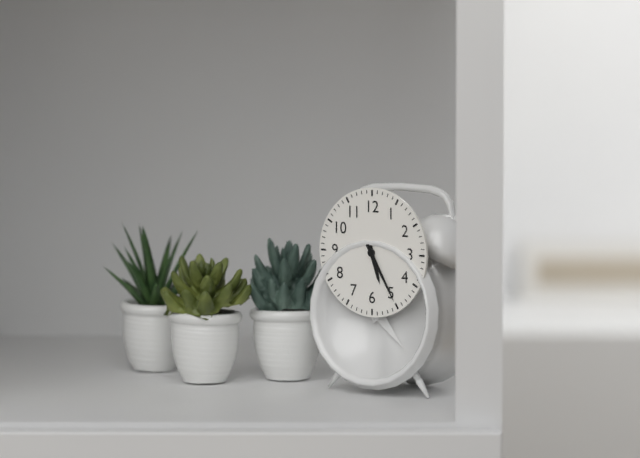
5:25
